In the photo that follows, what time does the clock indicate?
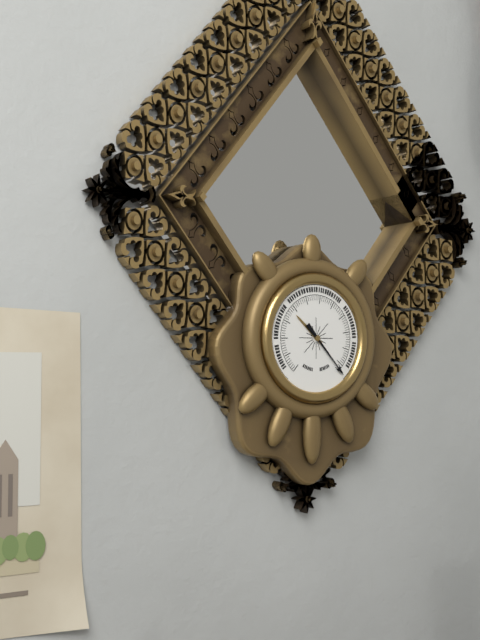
10:23
